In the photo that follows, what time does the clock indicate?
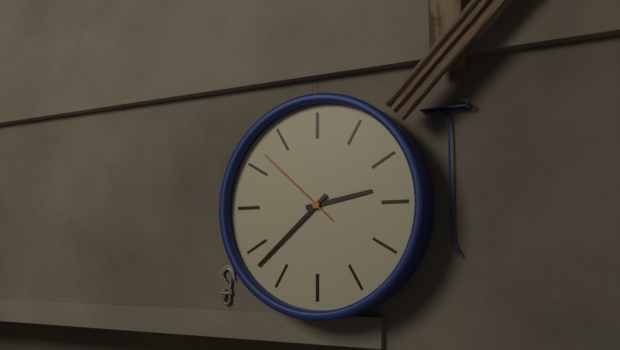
2:38:52
